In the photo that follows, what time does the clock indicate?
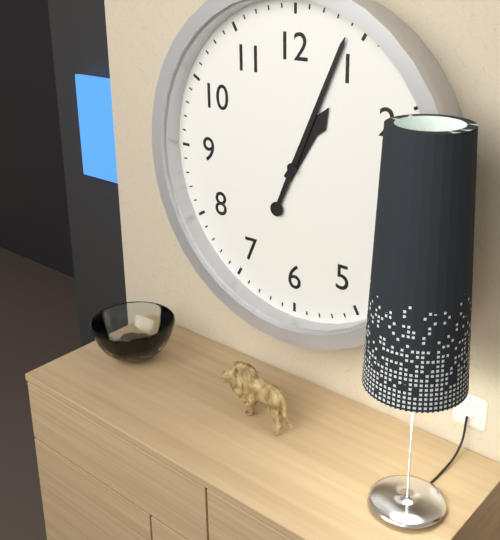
1:04
